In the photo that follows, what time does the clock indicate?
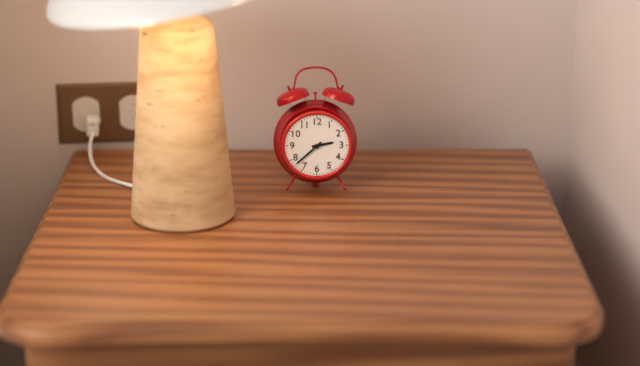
2:38
